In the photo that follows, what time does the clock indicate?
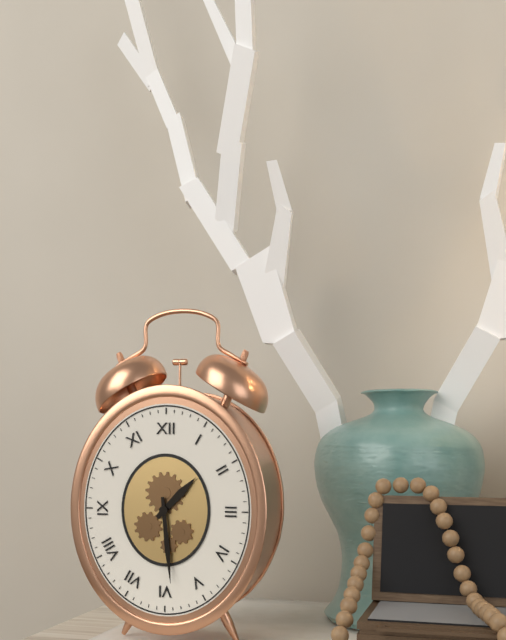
1:29
